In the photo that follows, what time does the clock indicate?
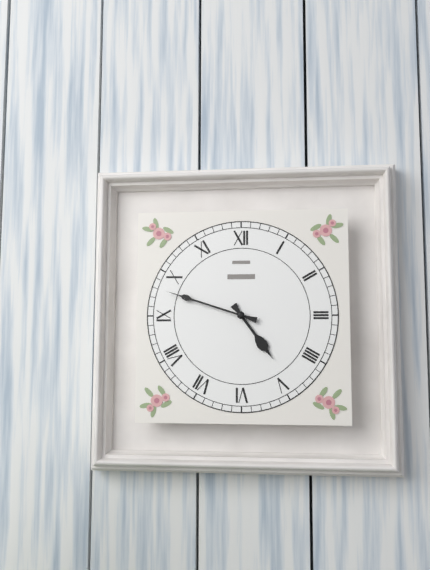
4:48
